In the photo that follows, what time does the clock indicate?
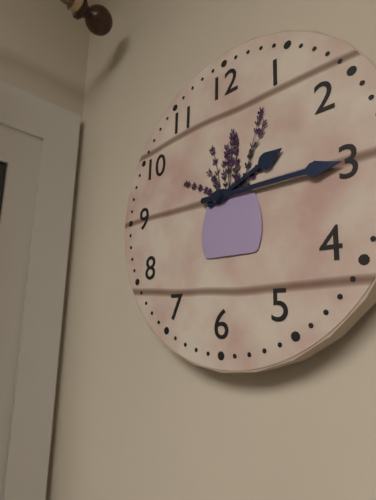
2:15
